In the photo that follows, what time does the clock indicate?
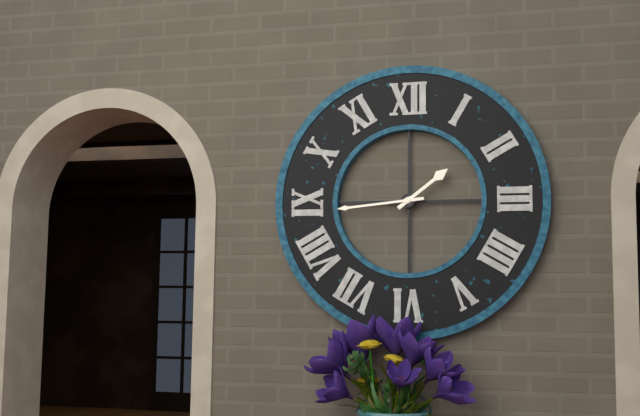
1:44
